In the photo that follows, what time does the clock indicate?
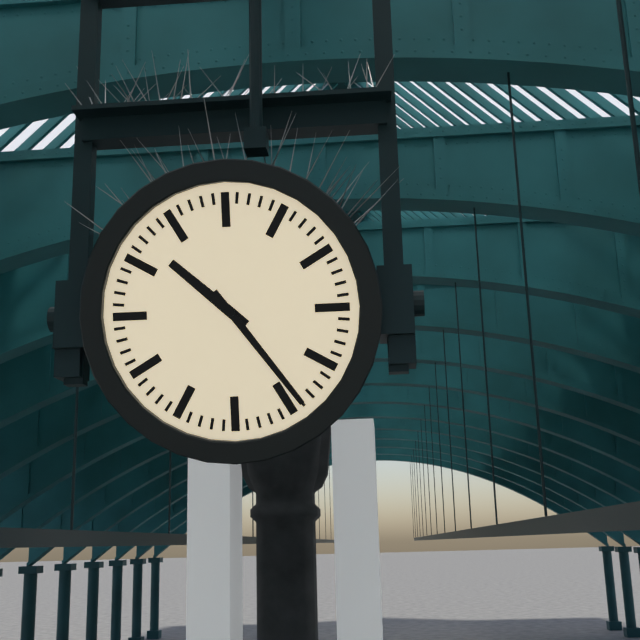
10:24
